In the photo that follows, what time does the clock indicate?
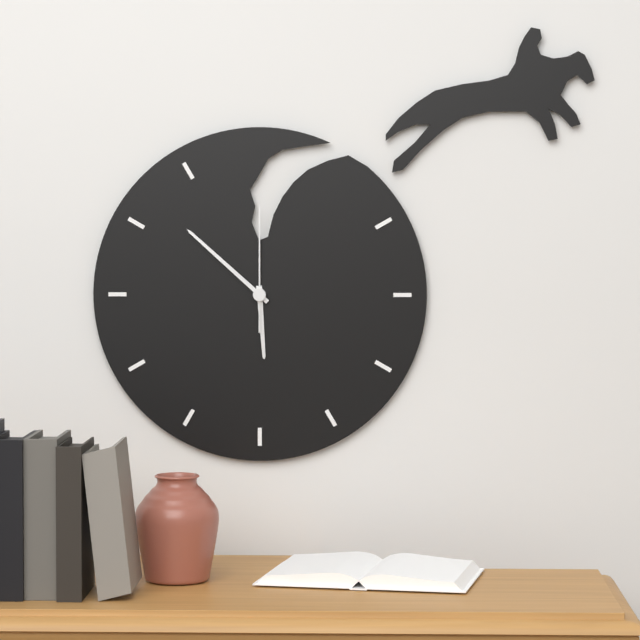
5:52:00
